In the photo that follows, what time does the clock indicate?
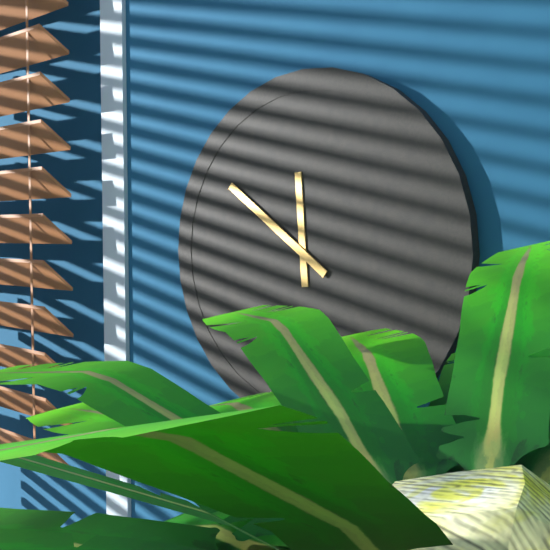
11:51
